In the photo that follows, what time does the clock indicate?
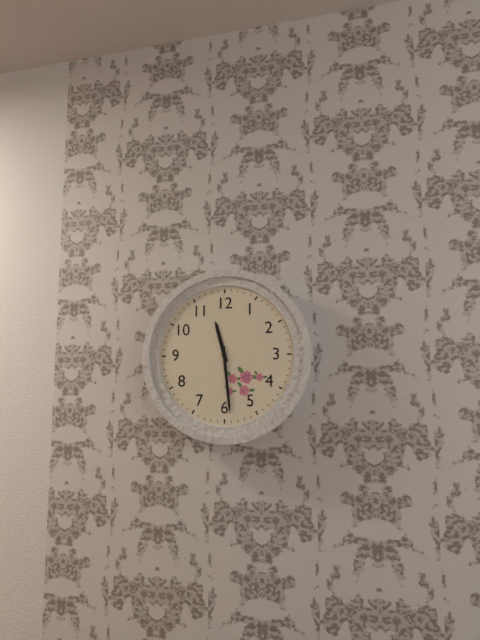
11:29
